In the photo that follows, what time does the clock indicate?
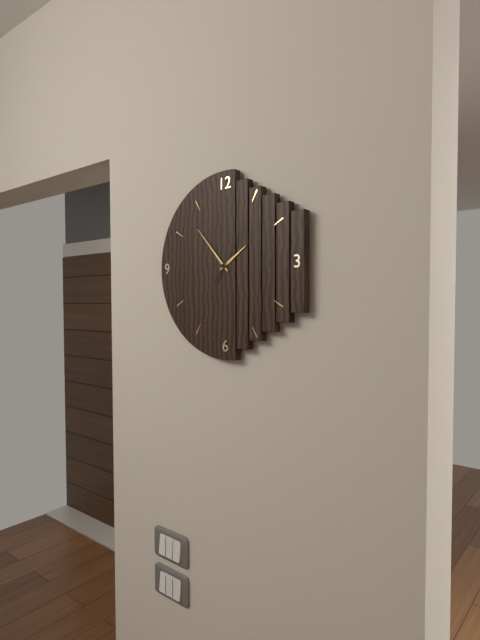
1:53:06
